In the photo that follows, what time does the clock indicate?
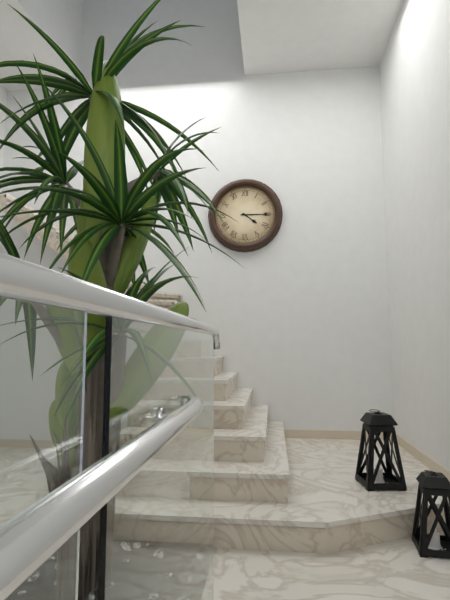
4:15
